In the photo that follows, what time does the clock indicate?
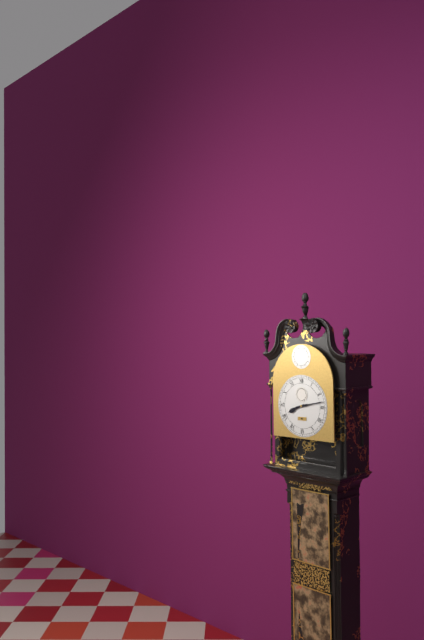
8:13
